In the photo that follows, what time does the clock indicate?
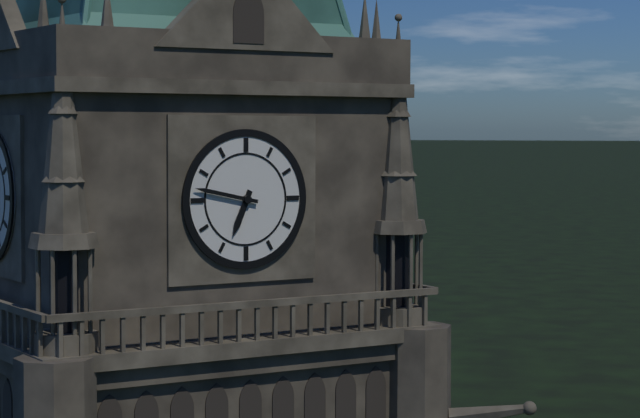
6:47
